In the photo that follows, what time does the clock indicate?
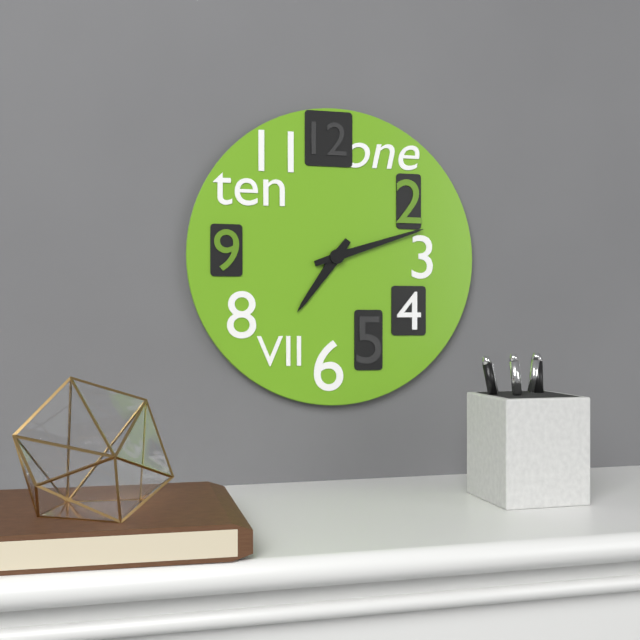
7:12
